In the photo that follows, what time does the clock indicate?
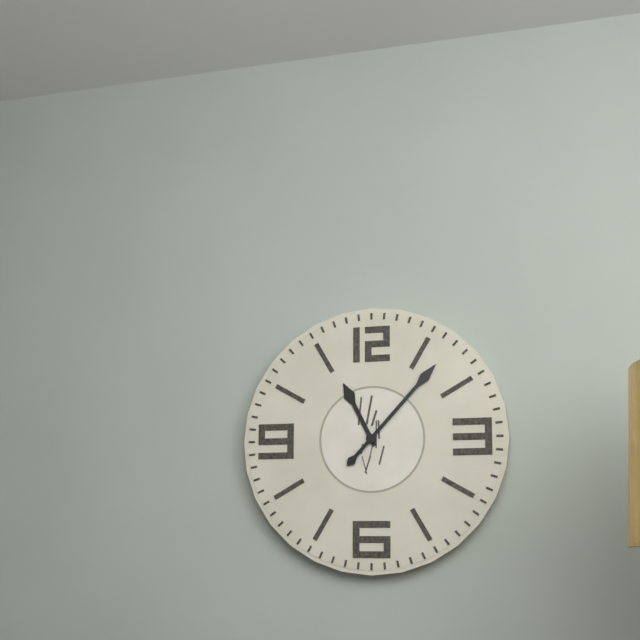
11:07
